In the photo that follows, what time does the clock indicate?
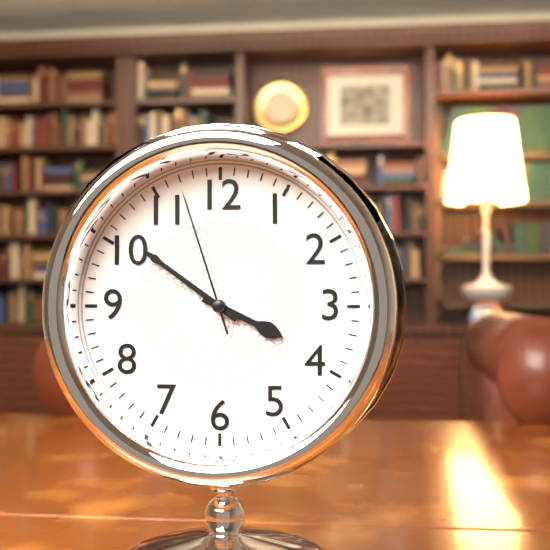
3:51:57
